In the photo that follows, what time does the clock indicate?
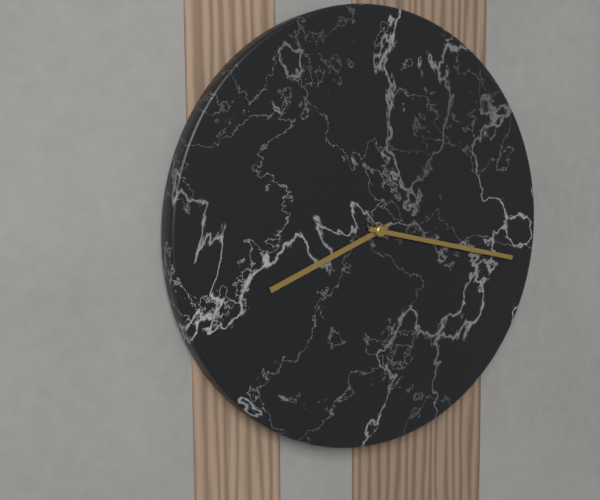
8:17
